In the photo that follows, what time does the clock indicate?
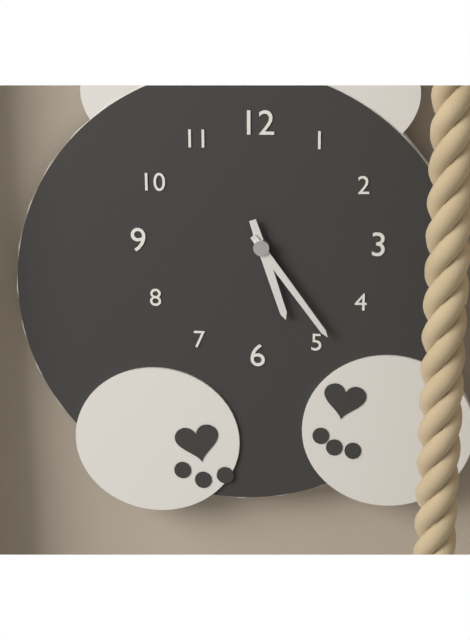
5:24
